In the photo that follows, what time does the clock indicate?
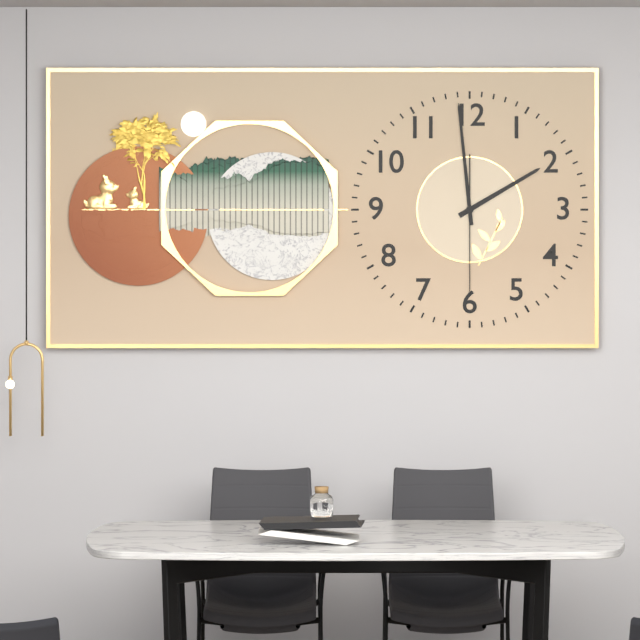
1:59:30
